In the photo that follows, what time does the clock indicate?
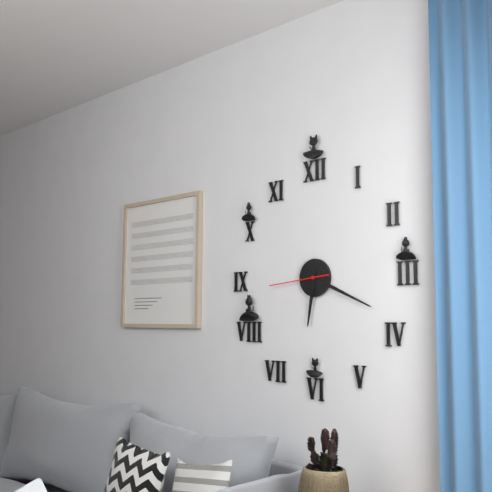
6:19:44
